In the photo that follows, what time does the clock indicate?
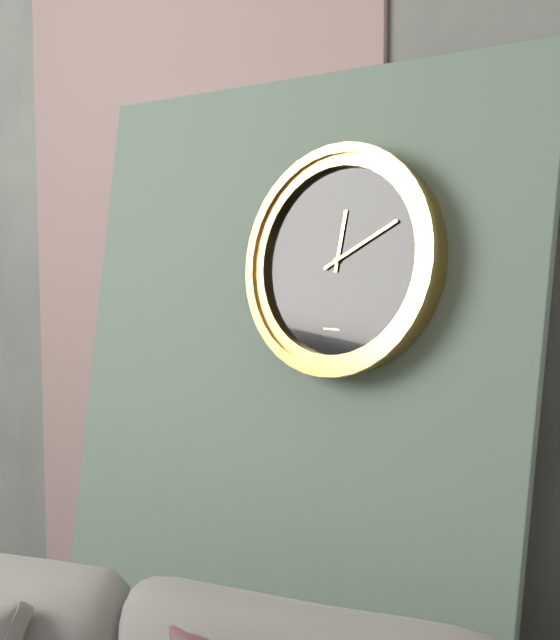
12:10
